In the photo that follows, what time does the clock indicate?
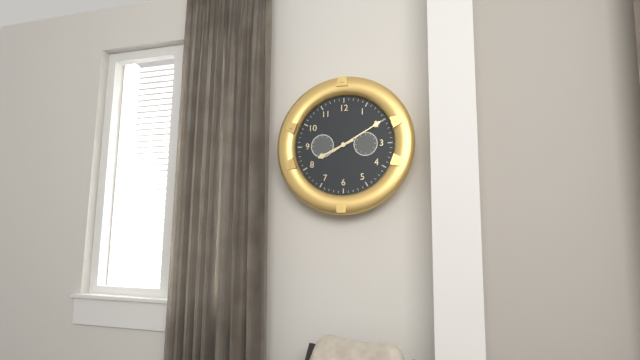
8:10
